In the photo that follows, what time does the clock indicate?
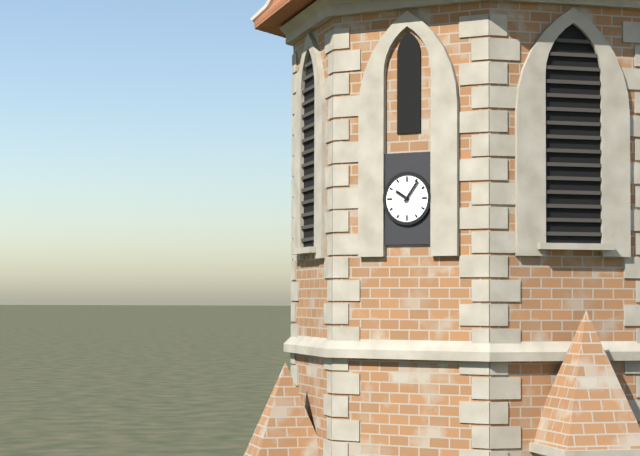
10:06
